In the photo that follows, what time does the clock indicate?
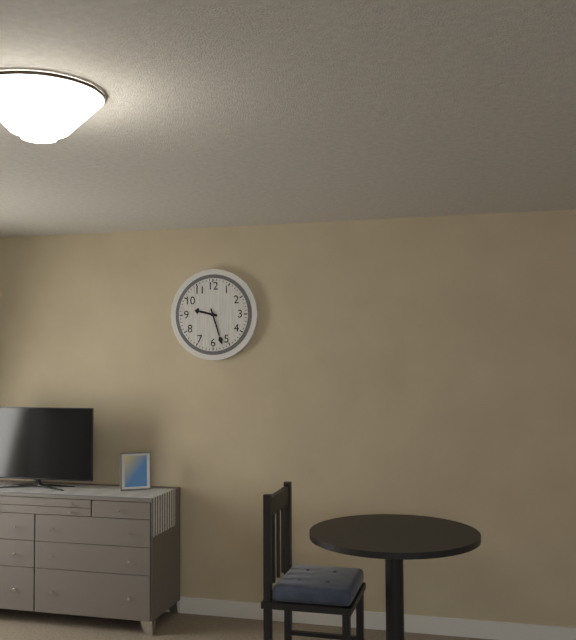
9:27
